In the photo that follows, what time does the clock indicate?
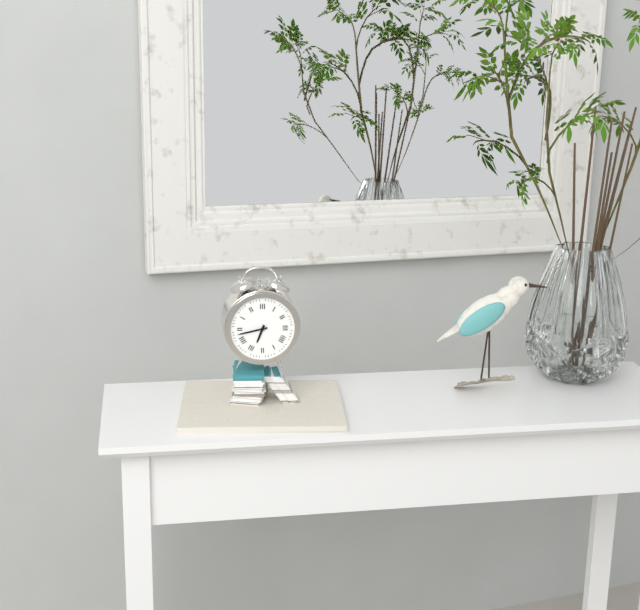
6:43
